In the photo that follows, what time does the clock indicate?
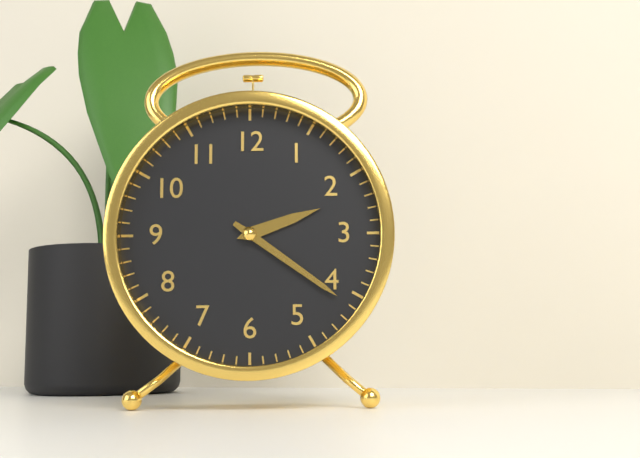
2:21
